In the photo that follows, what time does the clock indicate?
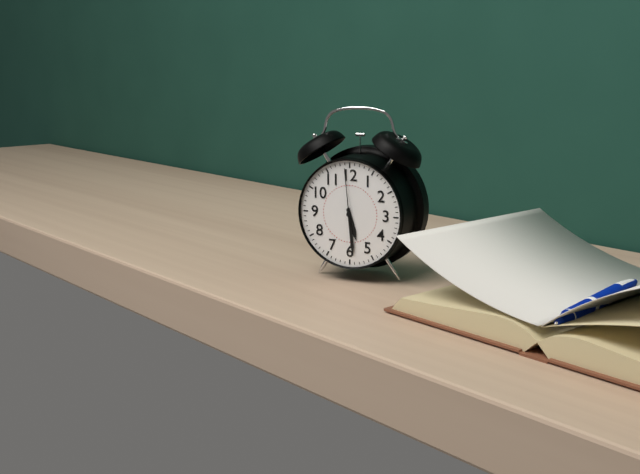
5:29:59
